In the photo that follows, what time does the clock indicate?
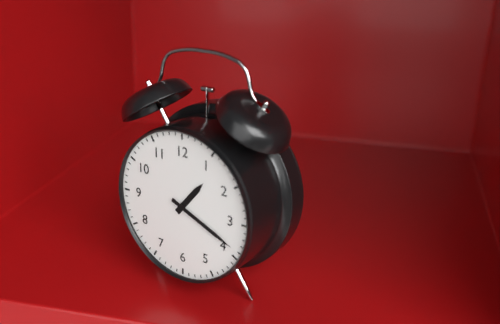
1:19
